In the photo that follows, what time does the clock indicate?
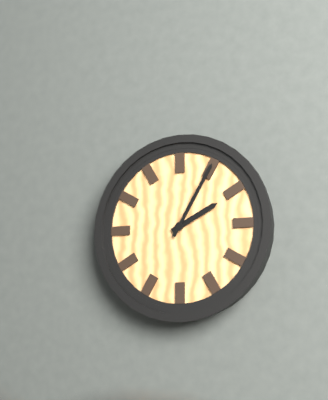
2:05
